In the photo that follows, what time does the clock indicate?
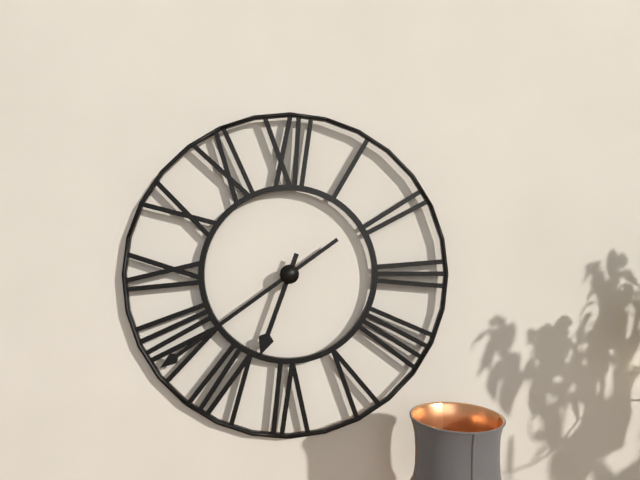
6:39
